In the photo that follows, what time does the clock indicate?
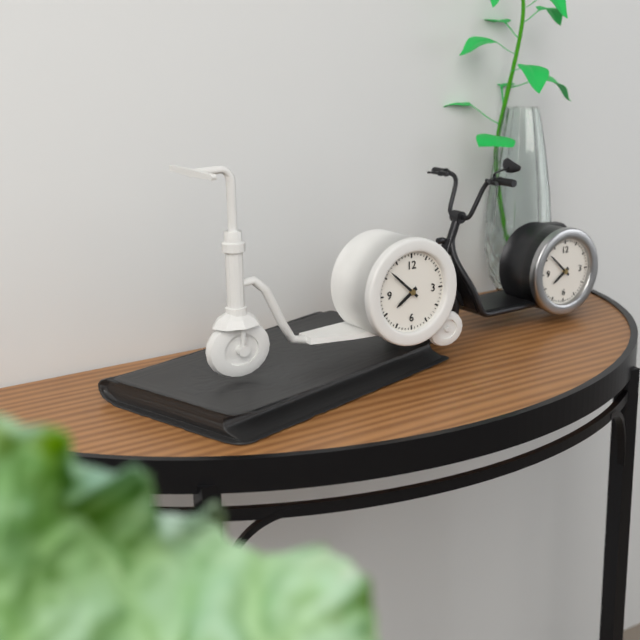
7:52
